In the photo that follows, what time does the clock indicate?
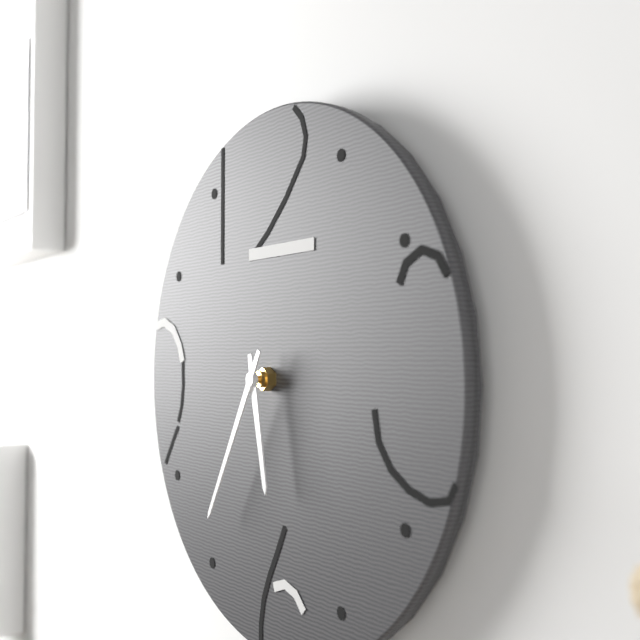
5:35
